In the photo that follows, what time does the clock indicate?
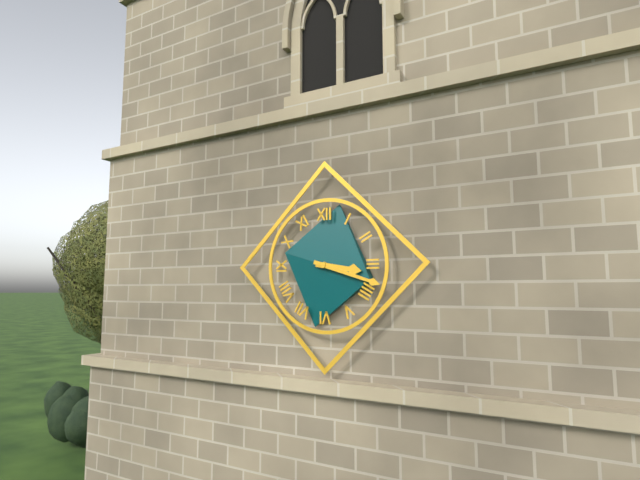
3:18
